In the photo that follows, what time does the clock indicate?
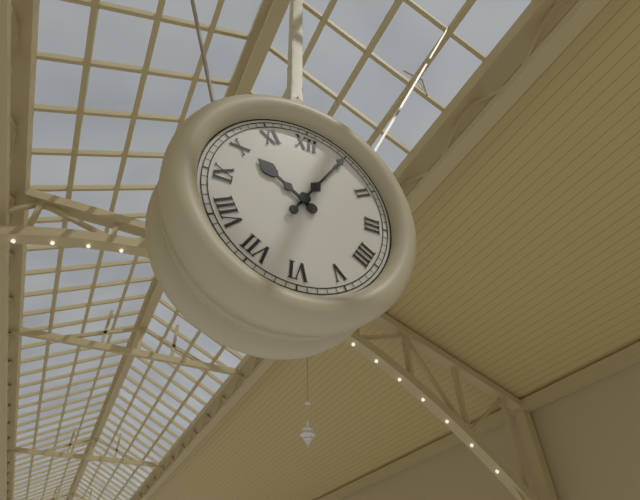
10:05
